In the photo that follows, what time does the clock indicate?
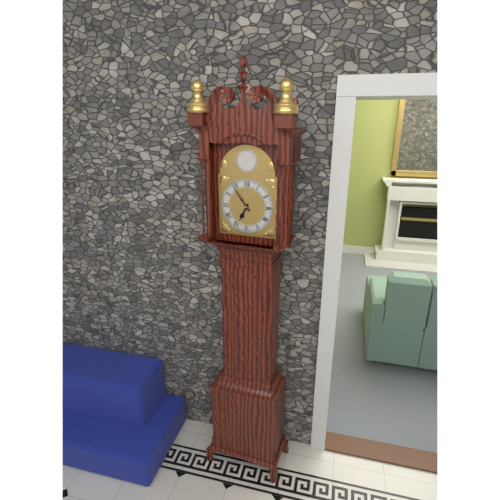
6:54
